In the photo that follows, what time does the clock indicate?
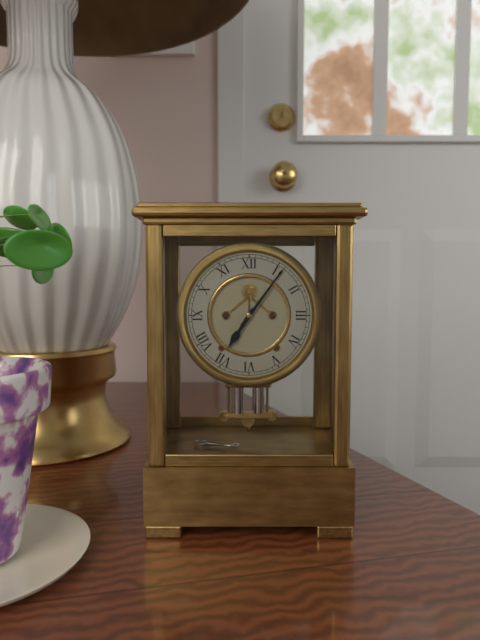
7:06
